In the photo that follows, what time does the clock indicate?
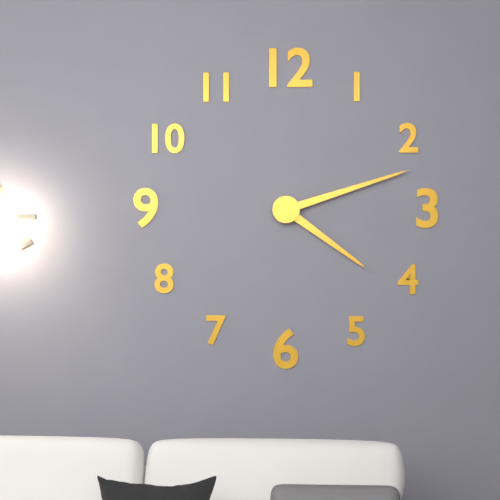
4:12
